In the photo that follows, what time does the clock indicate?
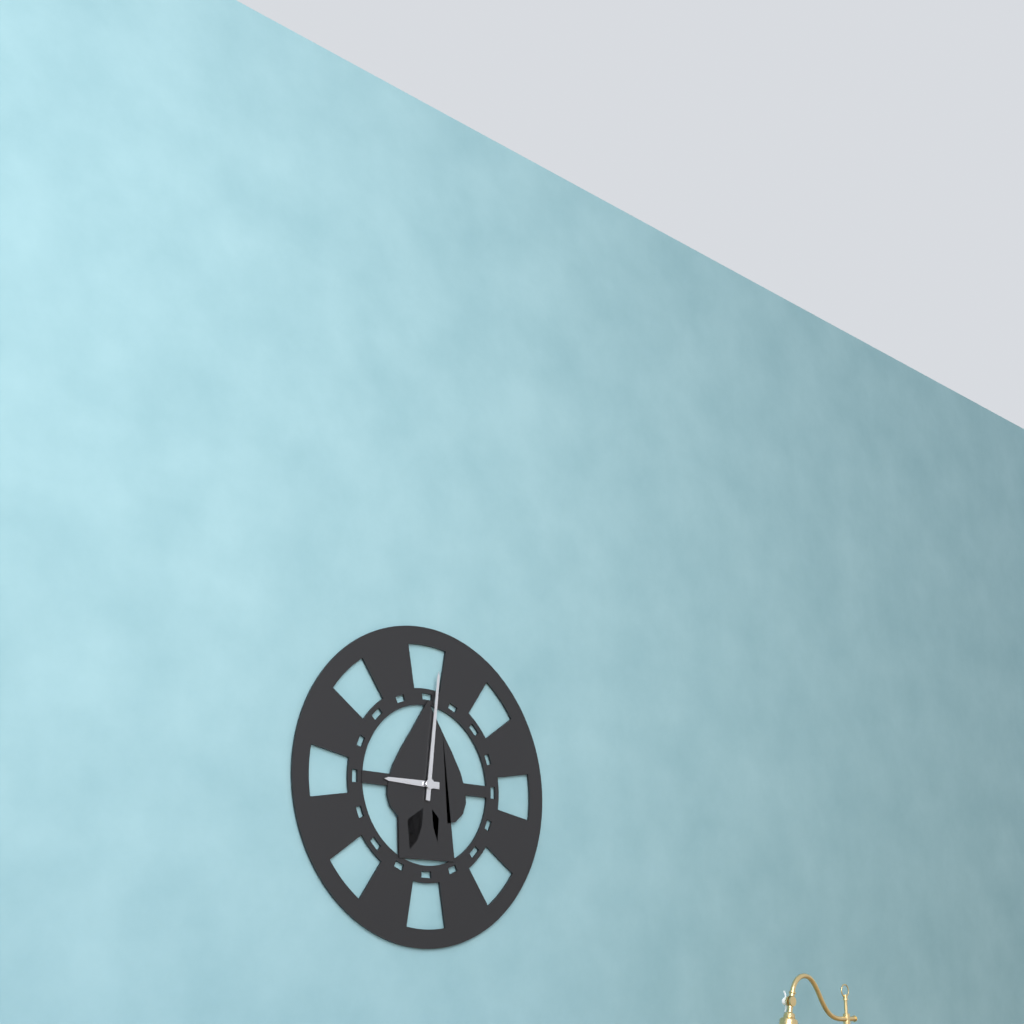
9:01
